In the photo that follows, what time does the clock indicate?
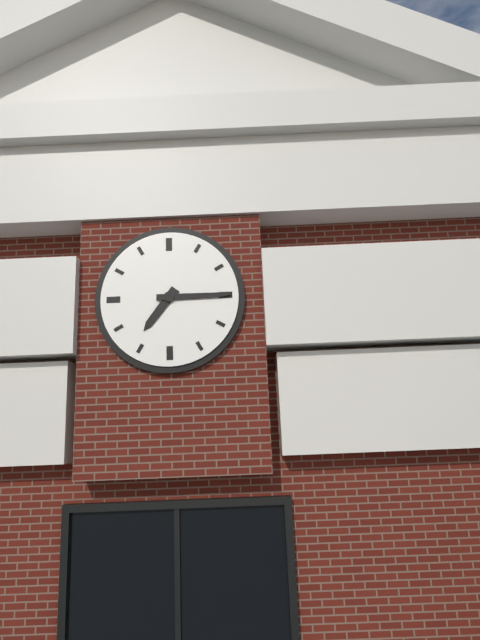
7:15
